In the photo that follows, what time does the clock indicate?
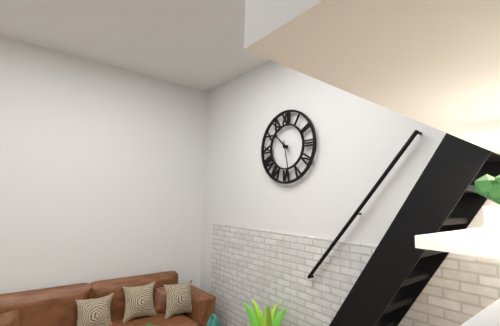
10:28
